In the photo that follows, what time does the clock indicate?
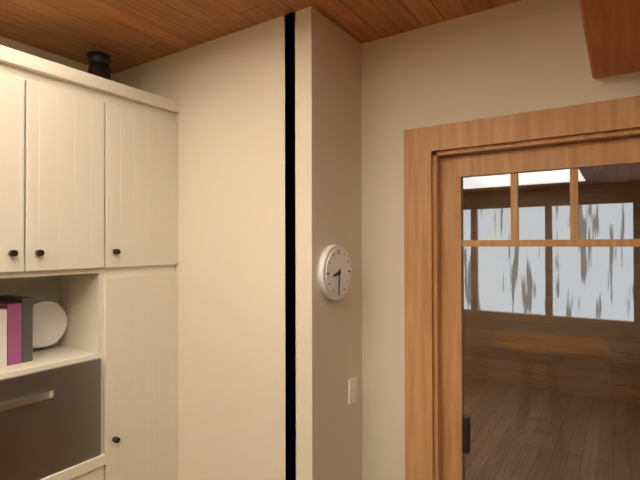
8:31
